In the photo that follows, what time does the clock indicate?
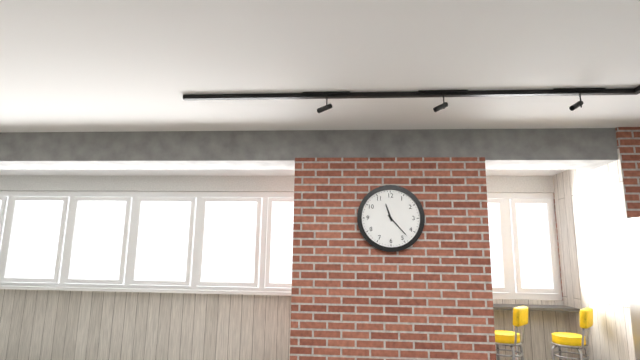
11:23
